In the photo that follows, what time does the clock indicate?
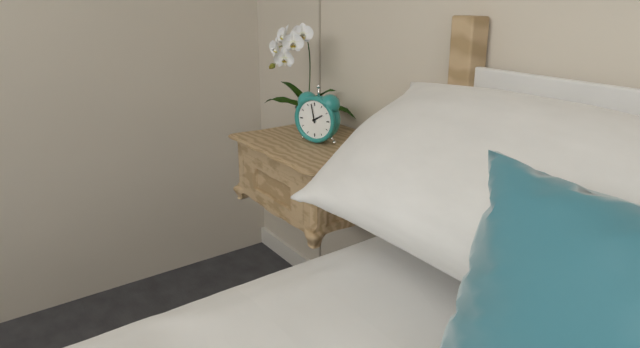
1:58
